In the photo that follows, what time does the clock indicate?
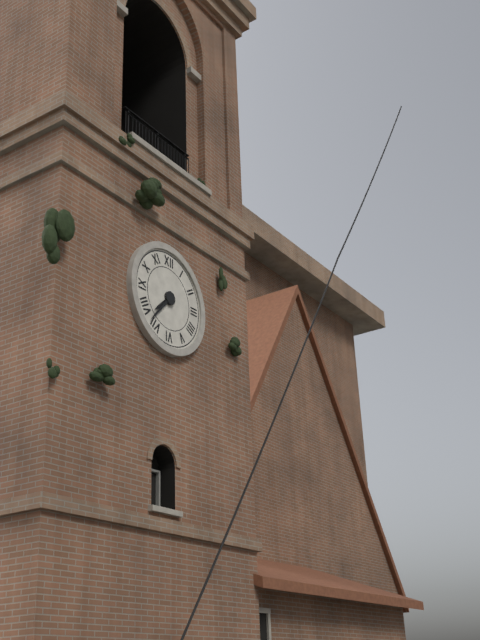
7:37
